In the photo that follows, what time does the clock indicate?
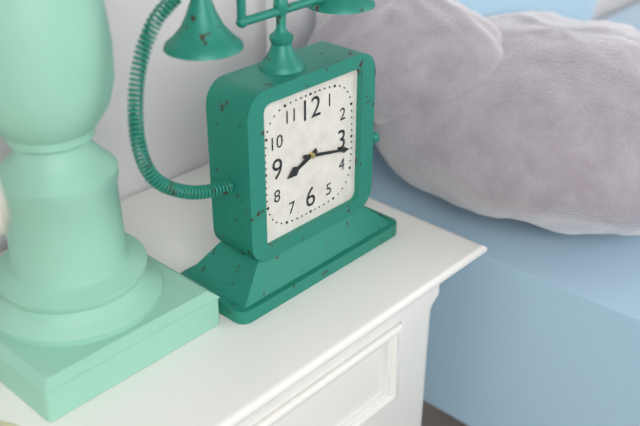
8:17
